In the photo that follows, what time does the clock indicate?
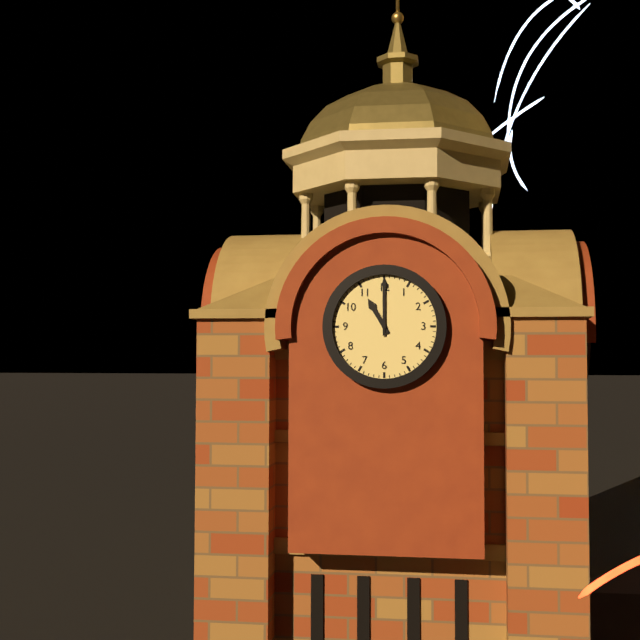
11:00
